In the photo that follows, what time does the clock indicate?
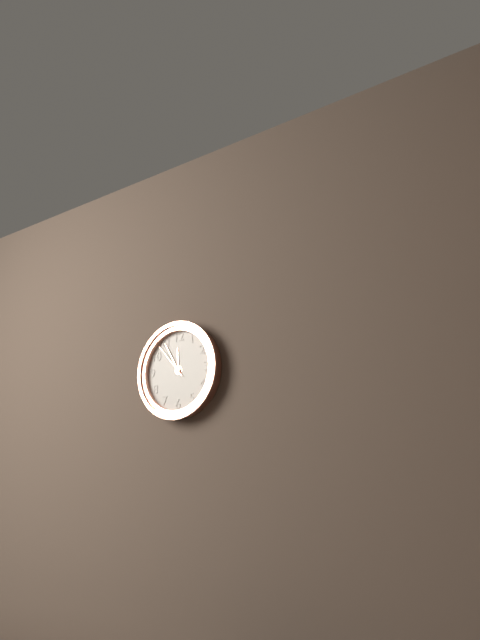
11:55
